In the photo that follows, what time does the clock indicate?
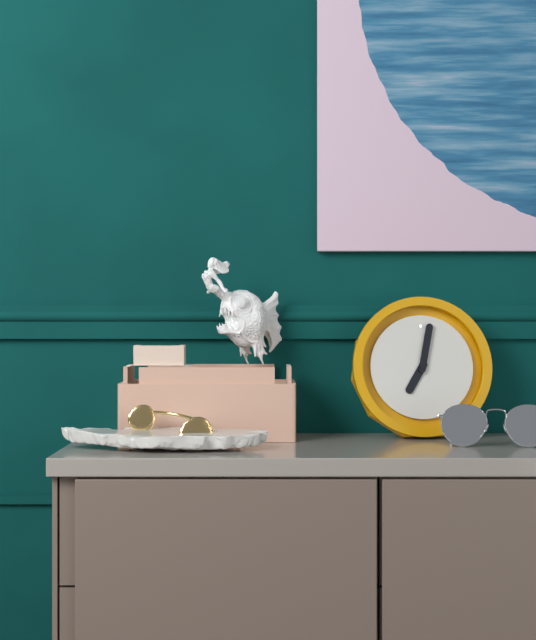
7:02
